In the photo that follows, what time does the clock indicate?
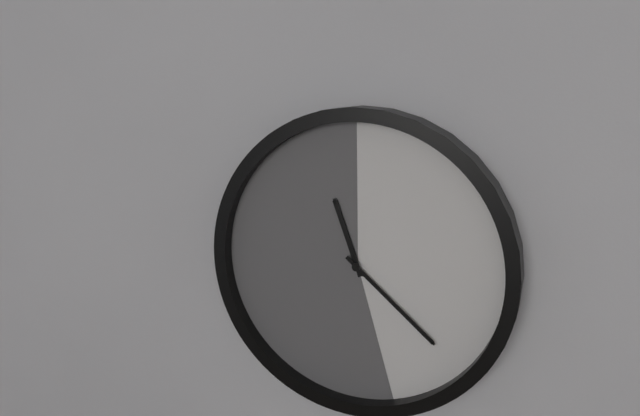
11:22
